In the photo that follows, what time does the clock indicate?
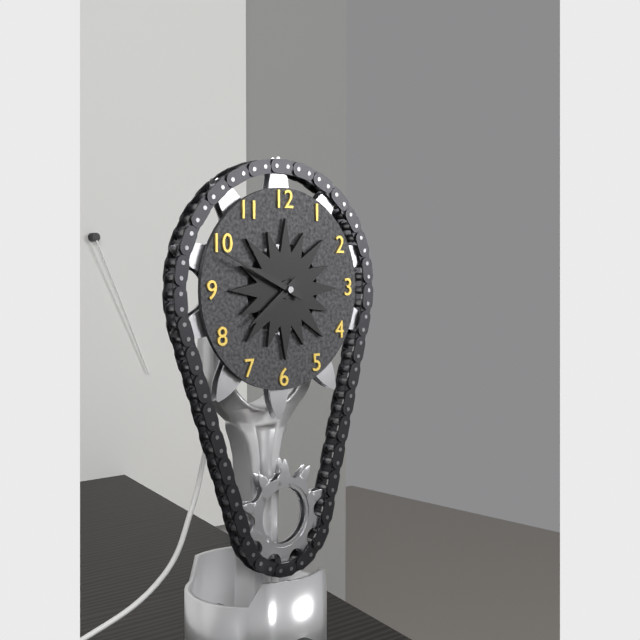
7:49
